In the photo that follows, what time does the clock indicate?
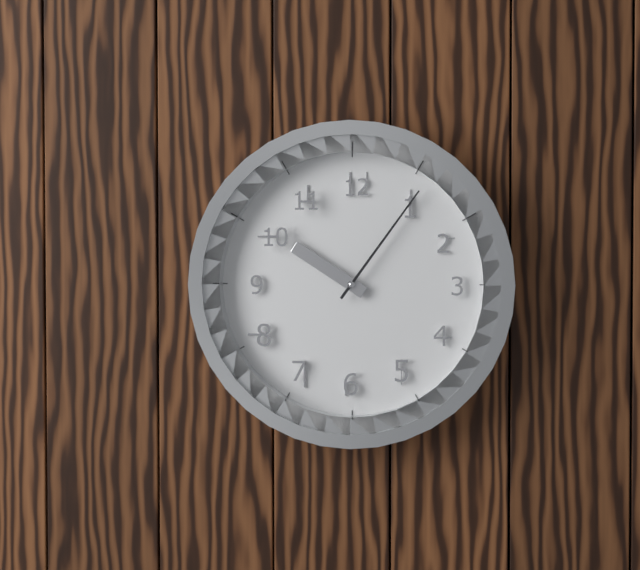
10:06
